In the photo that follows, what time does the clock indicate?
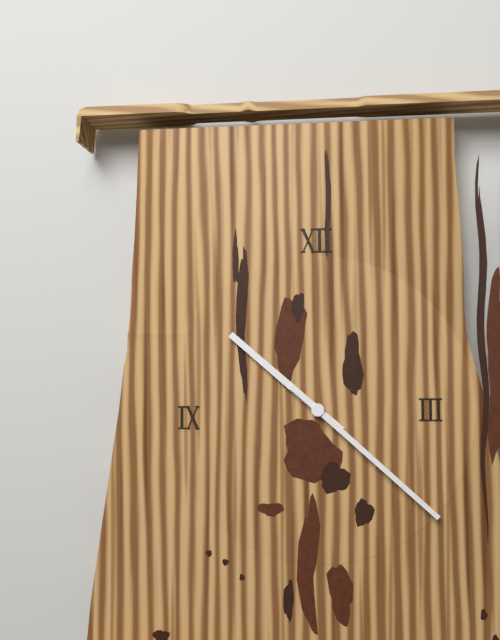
10:22
